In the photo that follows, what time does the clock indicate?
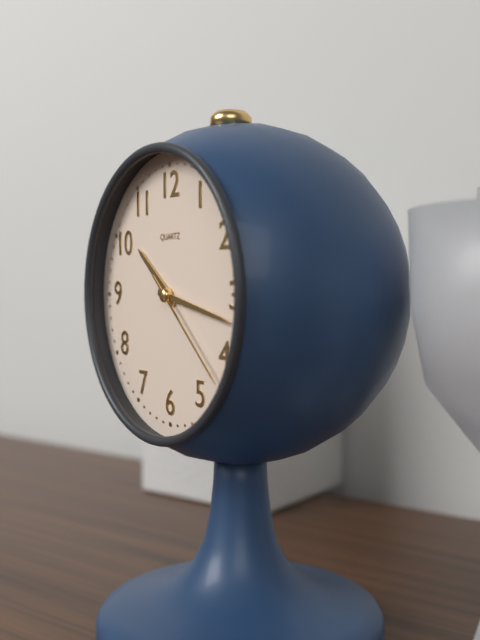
10:17:22
